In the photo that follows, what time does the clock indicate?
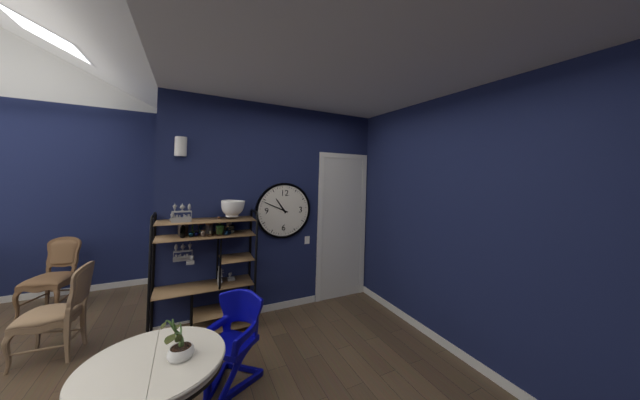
10:49
